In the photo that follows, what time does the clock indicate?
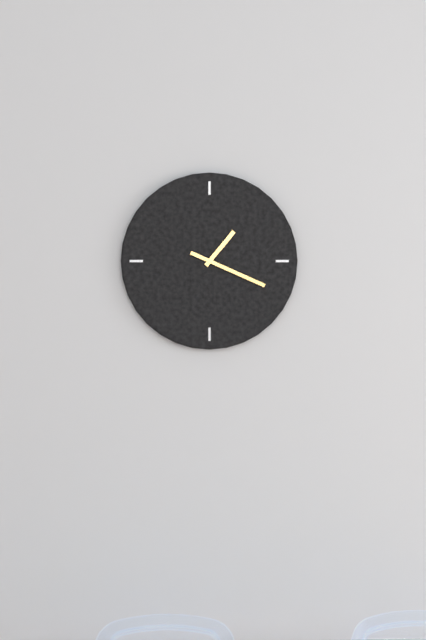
1:19
